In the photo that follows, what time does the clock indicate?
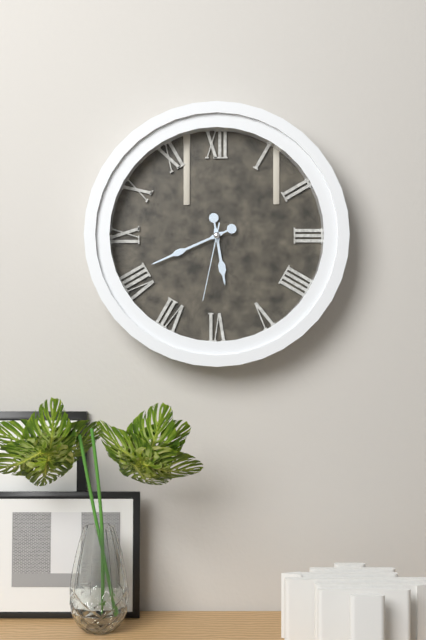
5:41:32
